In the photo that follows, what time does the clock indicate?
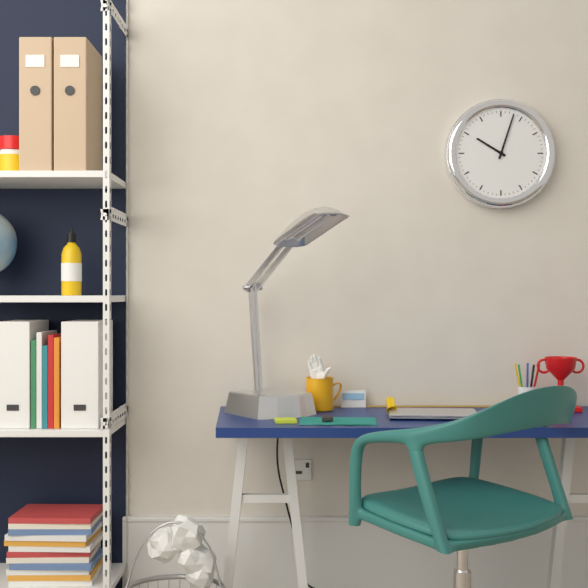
10:03
